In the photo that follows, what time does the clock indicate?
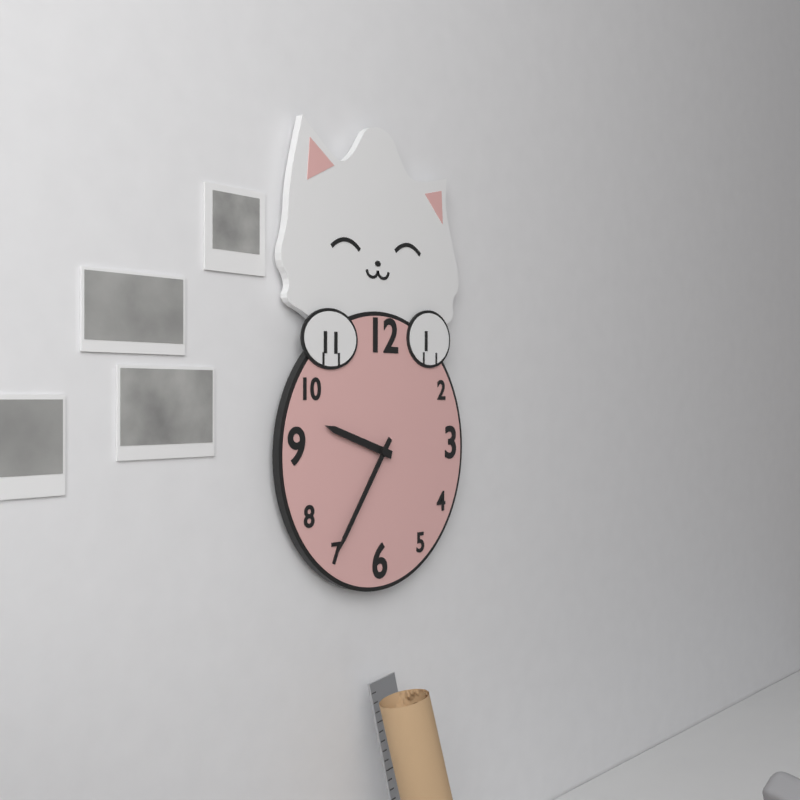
9:36
